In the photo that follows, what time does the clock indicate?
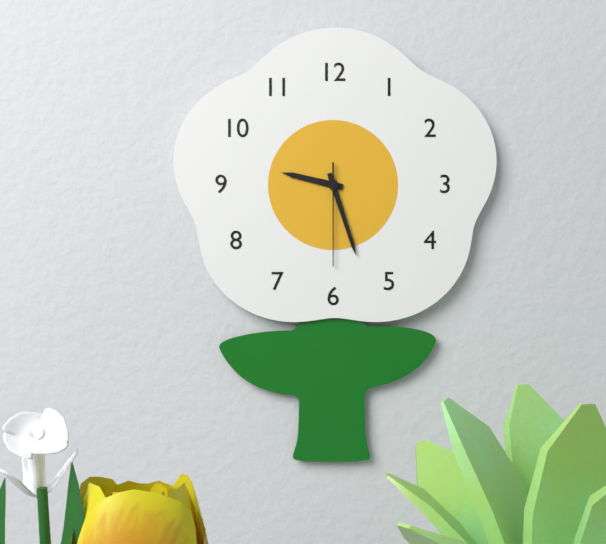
9:27:30
